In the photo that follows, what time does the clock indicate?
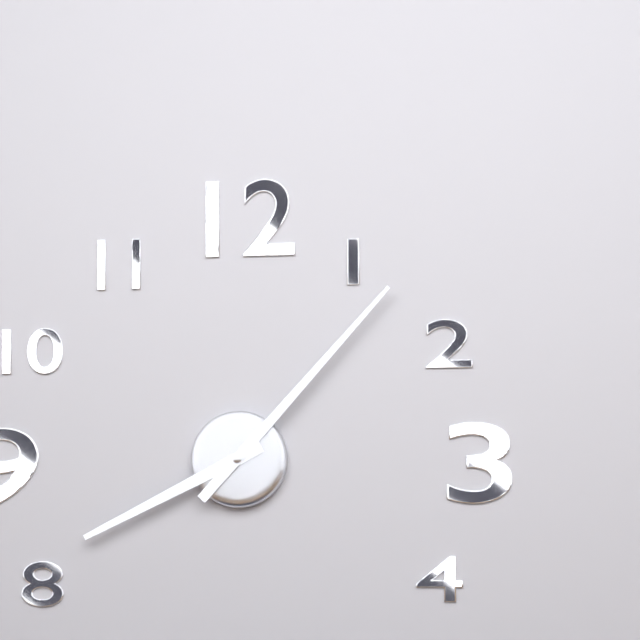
8:07
